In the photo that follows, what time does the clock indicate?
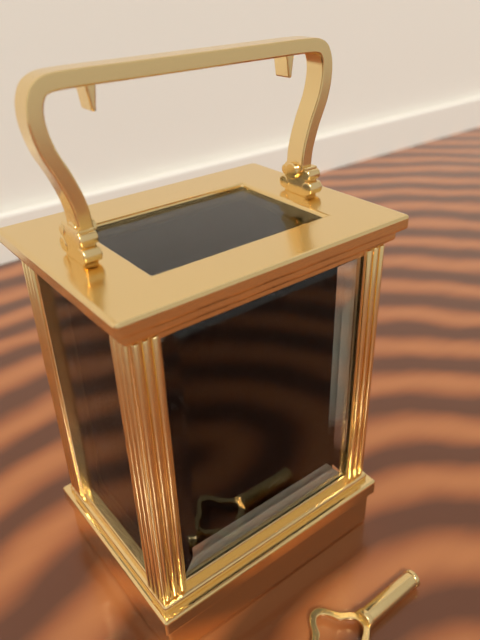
6:11
